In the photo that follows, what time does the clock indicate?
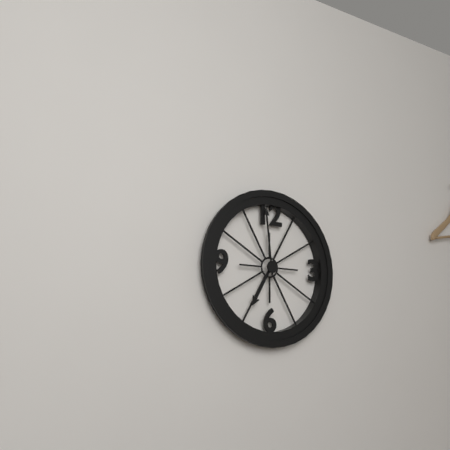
6:59
